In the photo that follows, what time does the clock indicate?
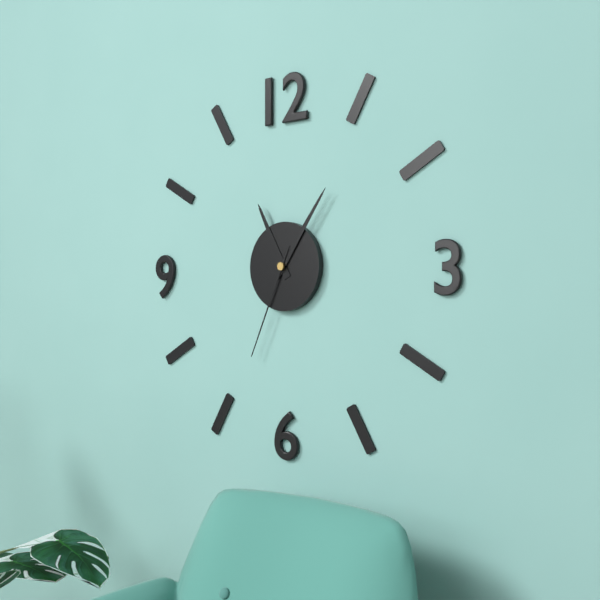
11:06:34
